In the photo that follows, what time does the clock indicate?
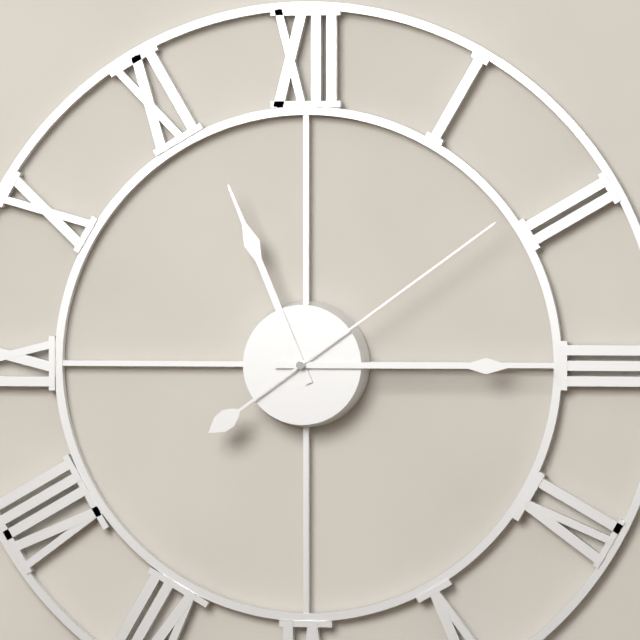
11:15:09
